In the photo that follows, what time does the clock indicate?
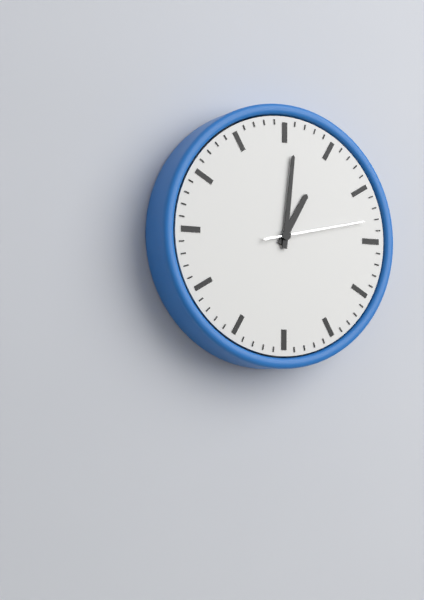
1:01:13
